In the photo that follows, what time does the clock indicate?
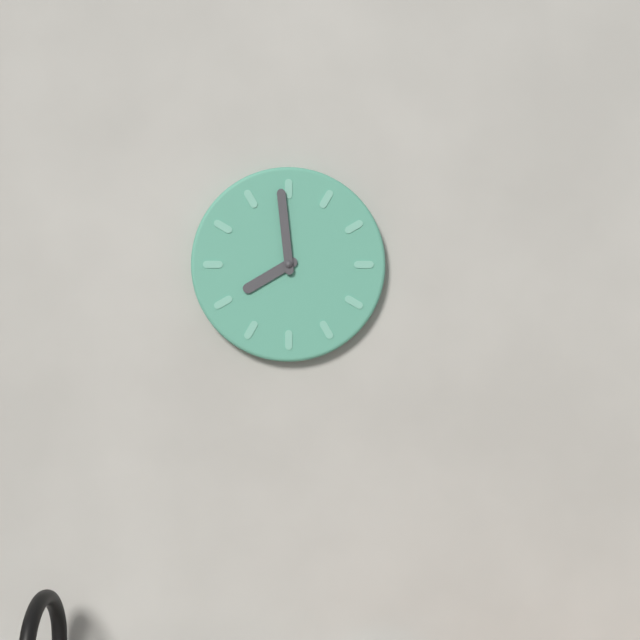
7:59
